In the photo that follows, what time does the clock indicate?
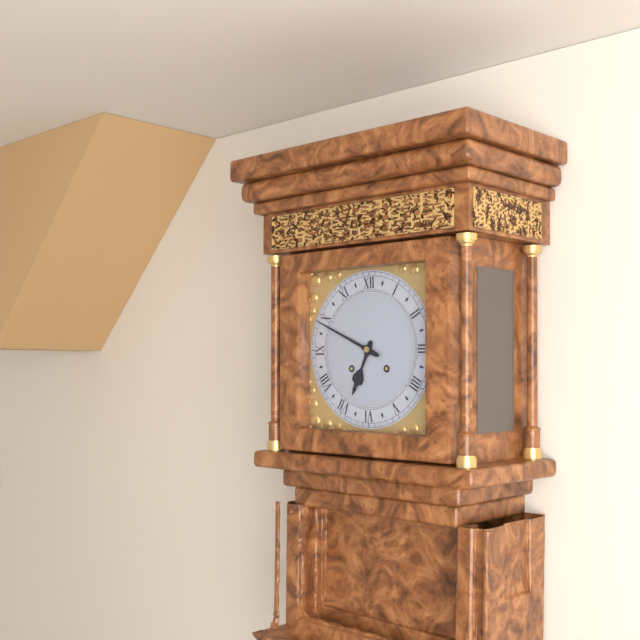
6:49
